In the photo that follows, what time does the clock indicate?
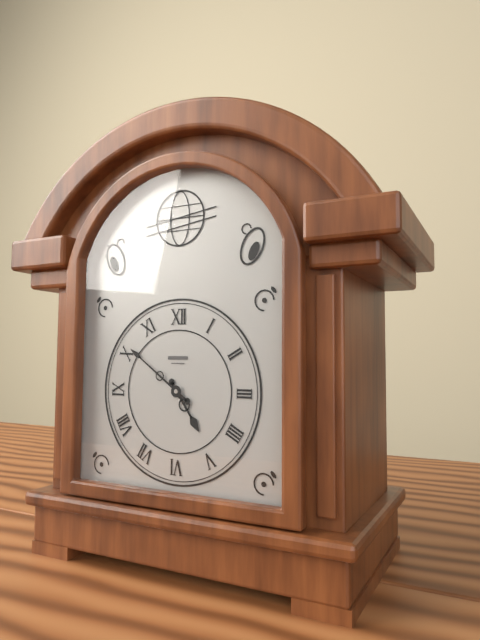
4:51
